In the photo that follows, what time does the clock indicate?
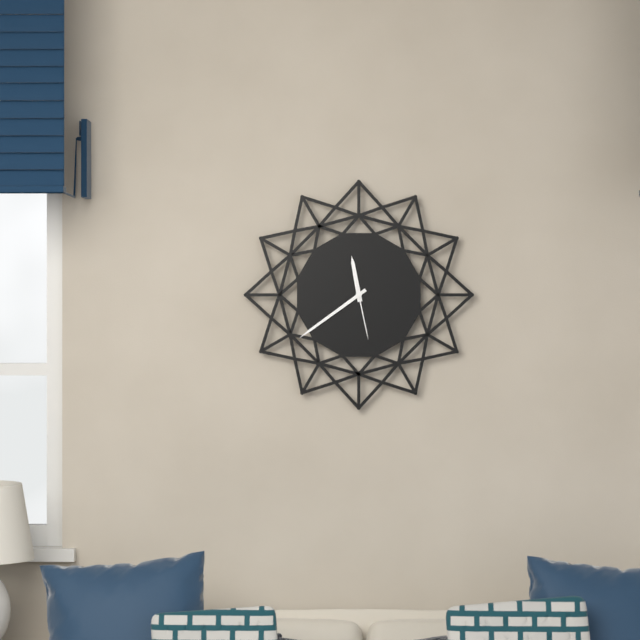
11:39:28
